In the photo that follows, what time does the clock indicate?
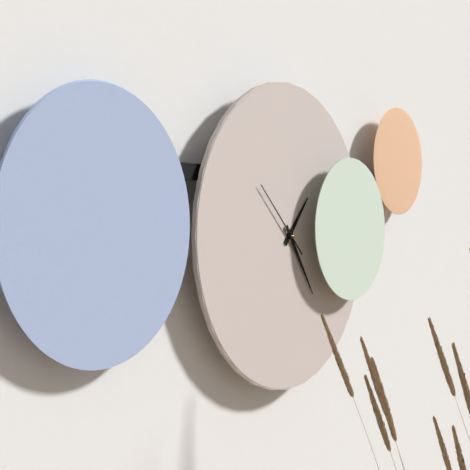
1:24:52
